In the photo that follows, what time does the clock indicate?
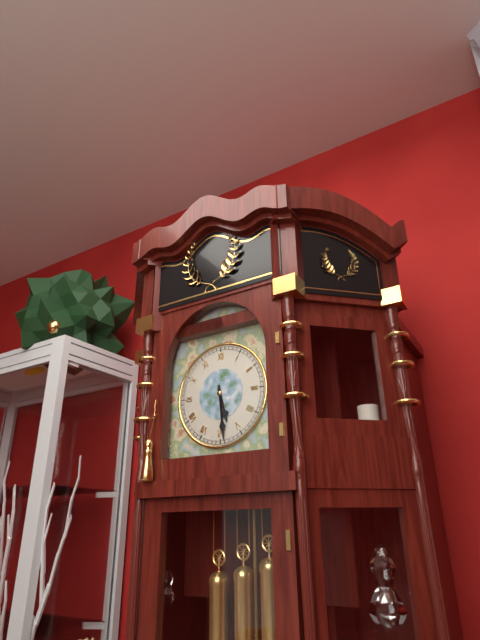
5:29
